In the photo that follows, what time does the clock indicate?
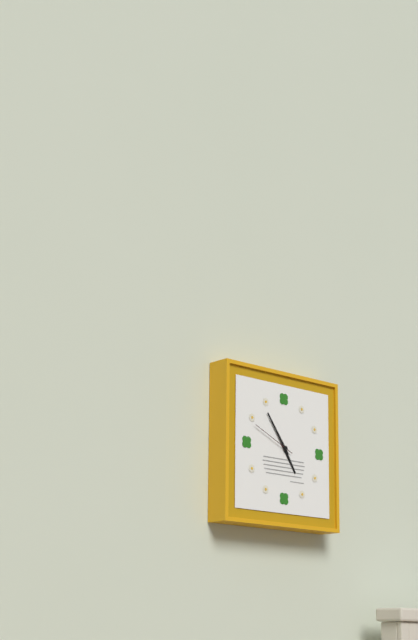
4:54
